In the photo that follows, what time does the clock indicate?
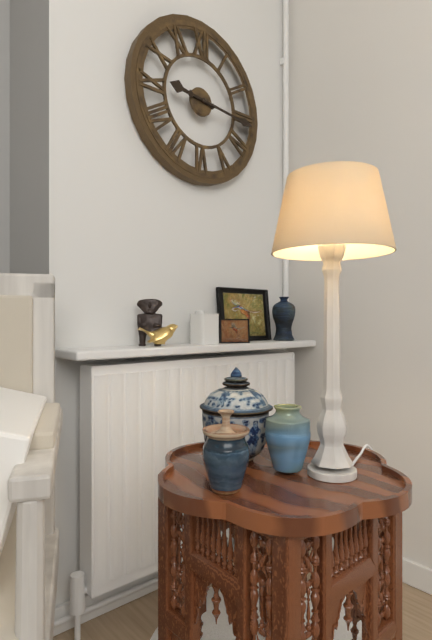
9:16
